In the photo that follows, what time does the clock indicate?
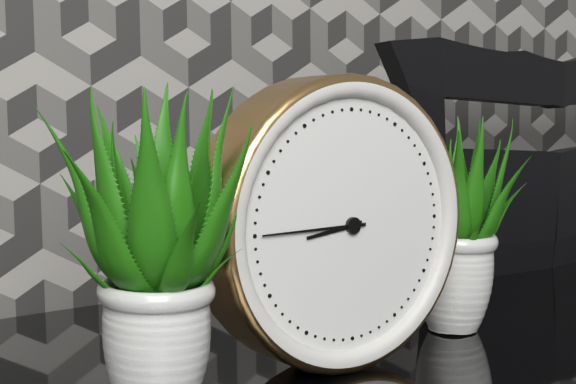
8:45
